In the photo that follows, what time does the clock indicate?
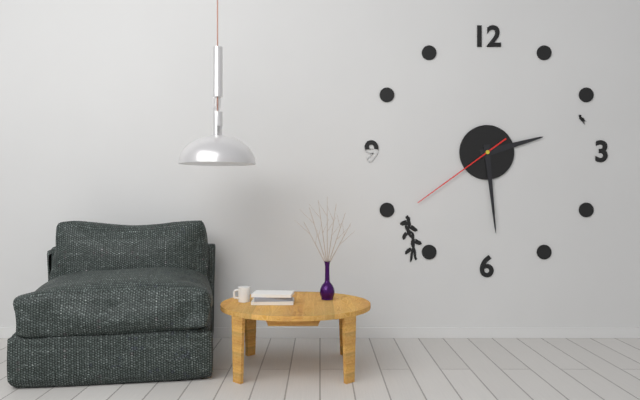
2:29:39
